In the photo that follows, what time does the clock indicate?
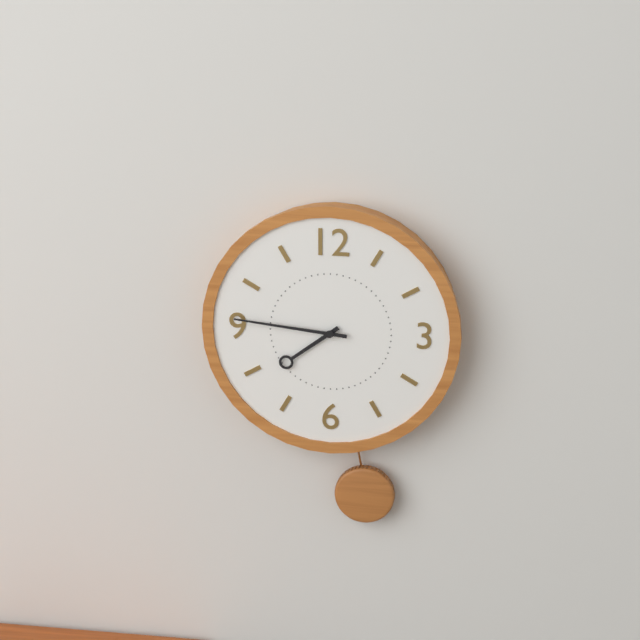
7:46
